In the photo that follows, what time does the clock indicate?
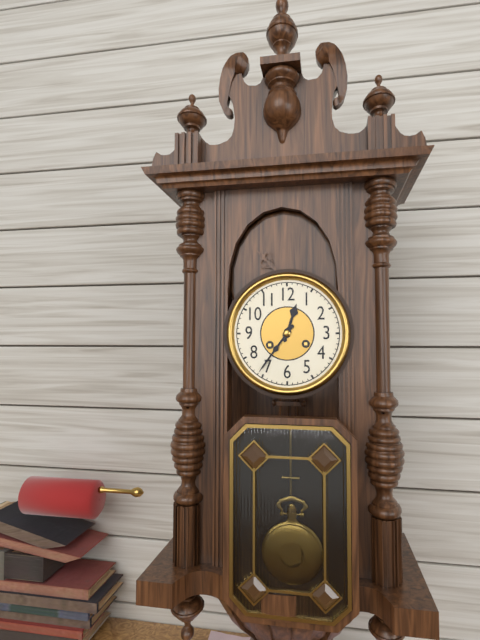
12:36
